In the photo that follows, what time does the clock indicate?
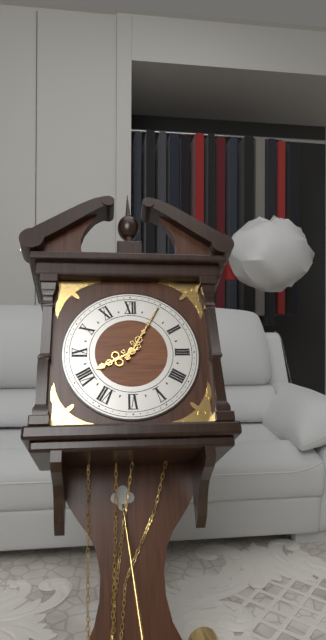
8:05
